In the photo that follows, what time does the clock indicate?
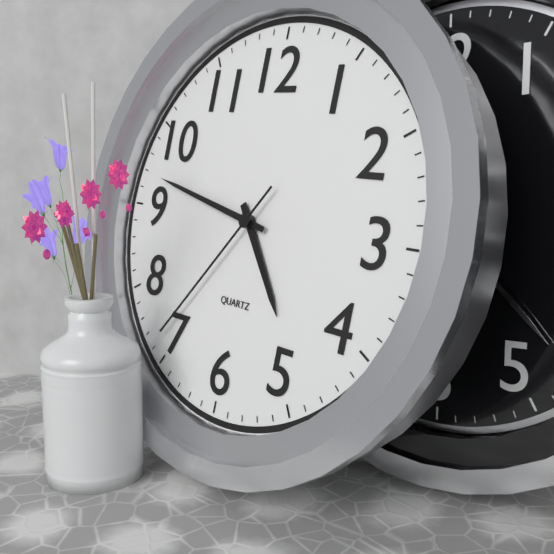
4:47:36
